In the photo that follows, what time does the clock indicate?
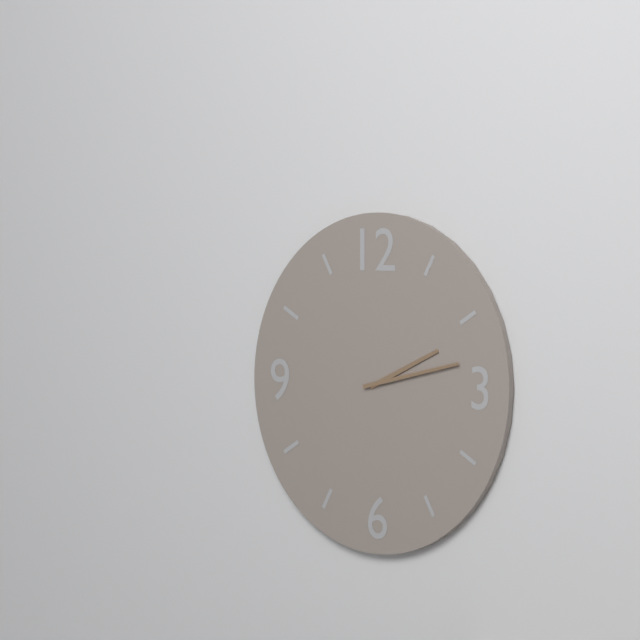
2:13
